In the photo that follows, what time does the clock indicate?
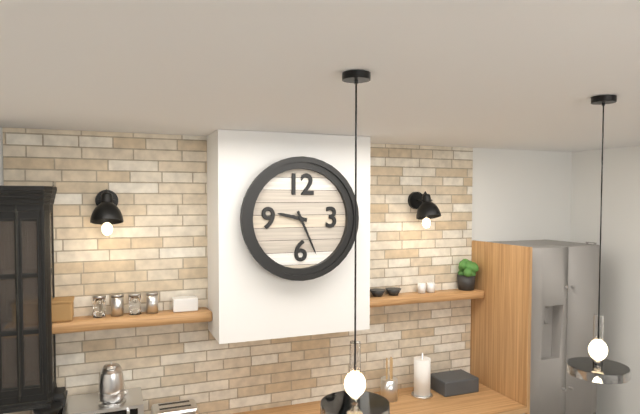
9:26
